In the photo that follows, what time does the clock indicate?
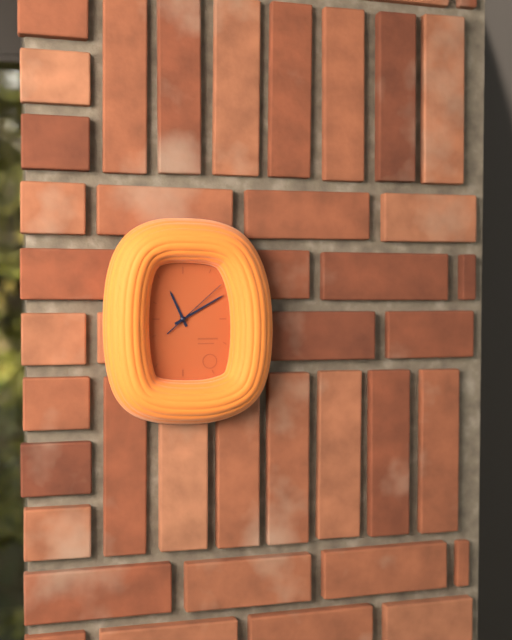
11:10:08
